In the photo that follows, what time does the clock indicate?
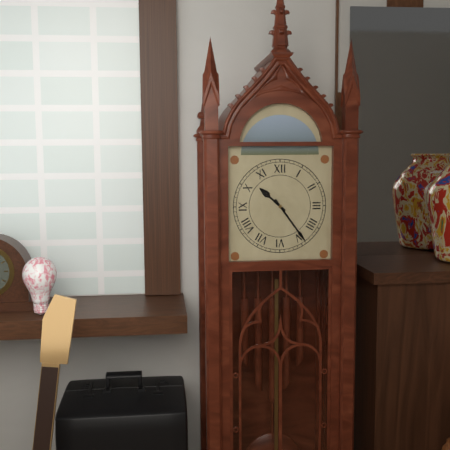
10:24
